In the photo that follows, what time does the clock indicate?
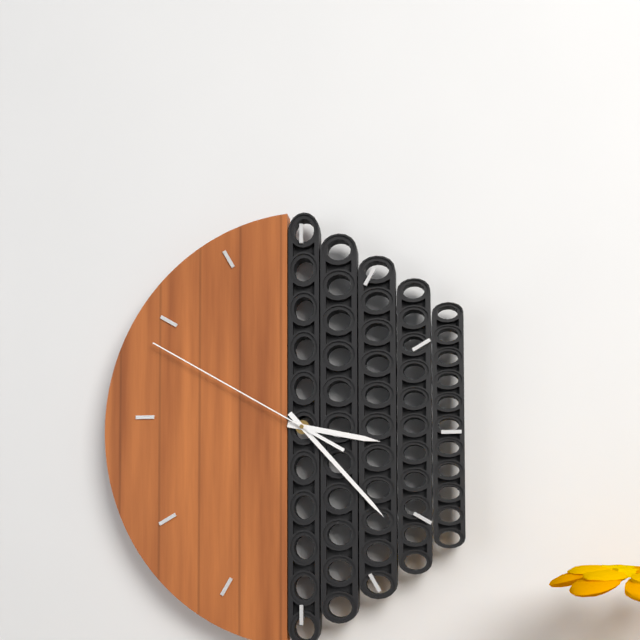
3:23:50
